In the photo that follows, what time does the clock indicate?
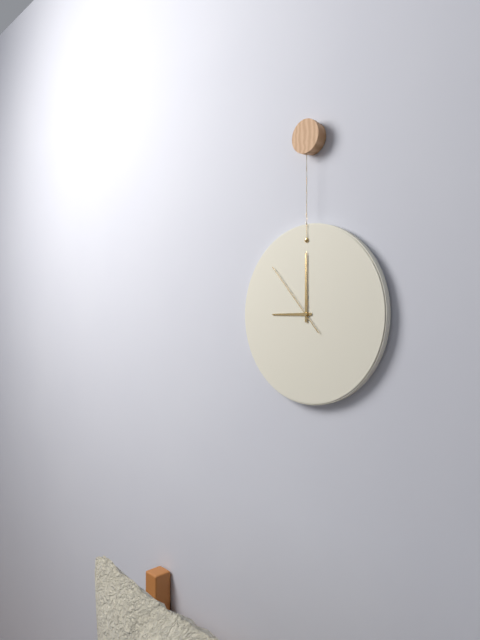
9:00:53
